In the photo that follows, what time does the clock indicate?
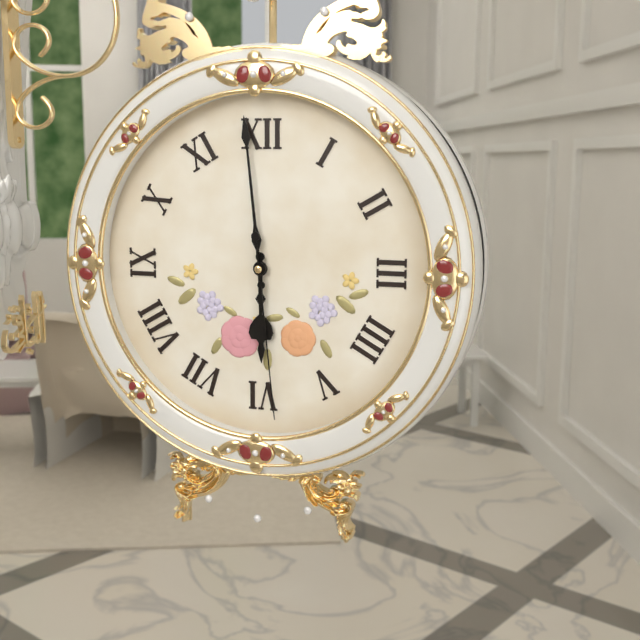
5:59:29
